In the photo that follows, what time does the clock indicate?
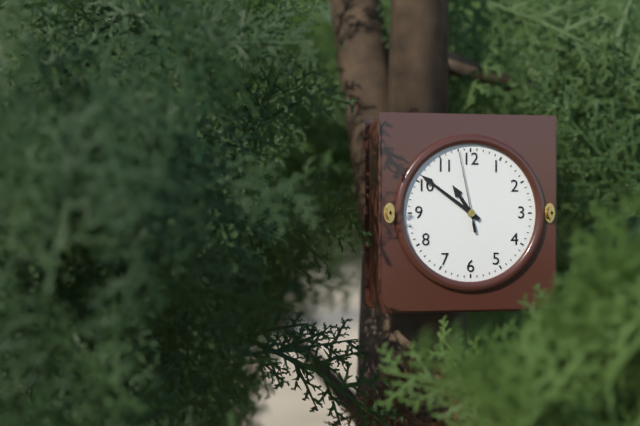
10:51:58
